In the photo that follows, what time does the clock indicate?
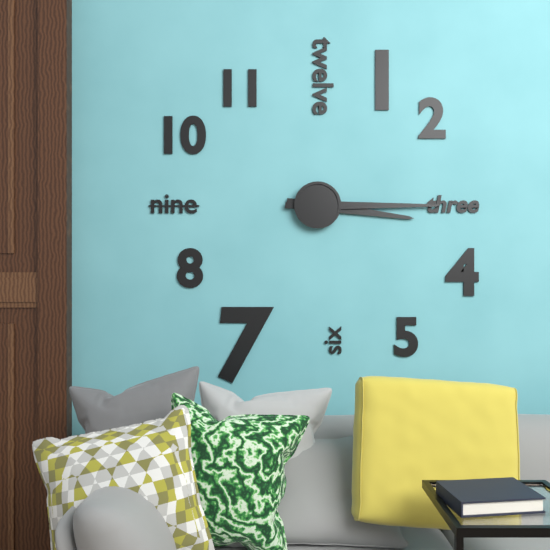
3:15
